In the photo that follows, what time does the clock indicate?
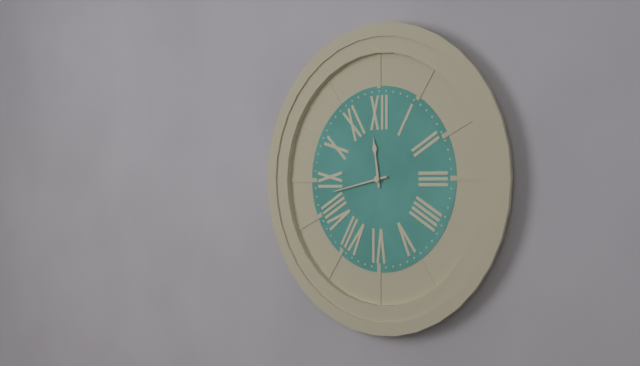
11:43
